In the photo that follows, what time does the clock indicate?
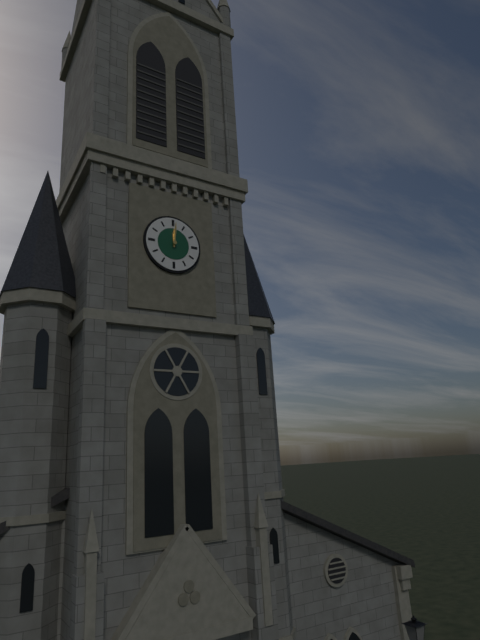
12:01
